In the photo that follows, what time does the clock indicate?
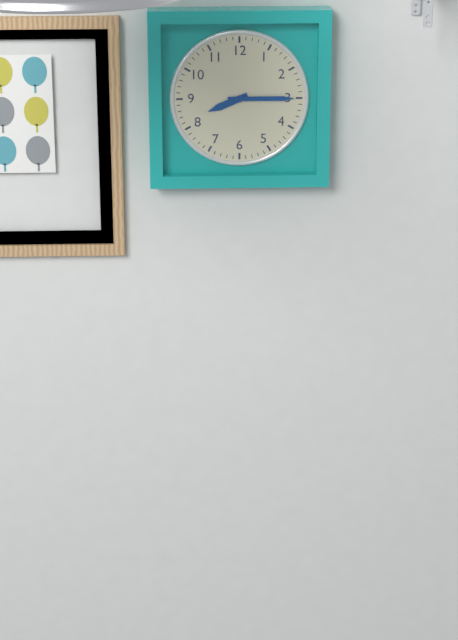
8:15
